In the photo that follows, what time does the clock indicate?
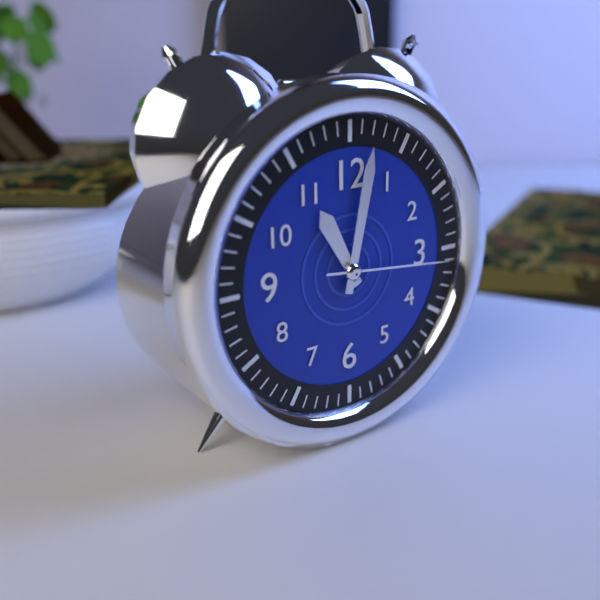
11:02:16
